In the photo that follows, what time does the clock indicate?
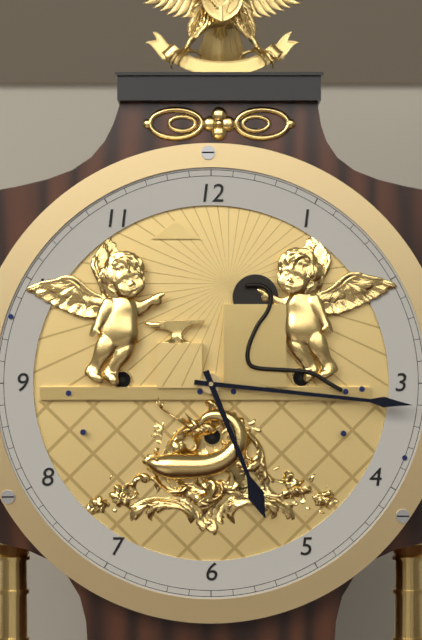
5:16
